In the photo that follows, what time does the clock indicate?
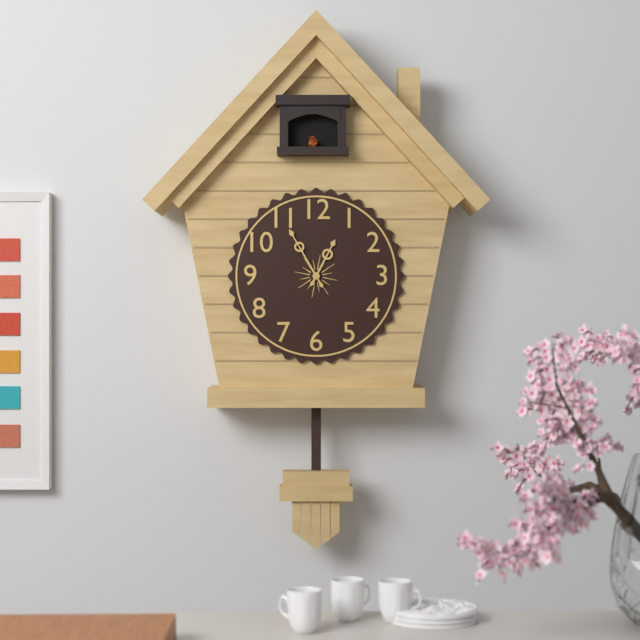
12:55
